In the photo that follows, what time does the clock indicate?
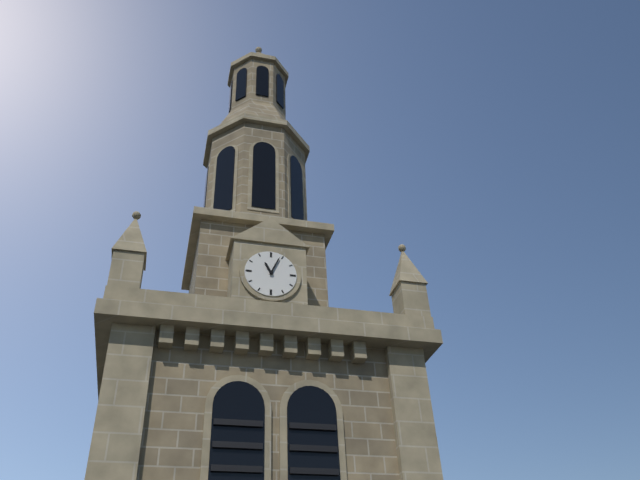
11:04
